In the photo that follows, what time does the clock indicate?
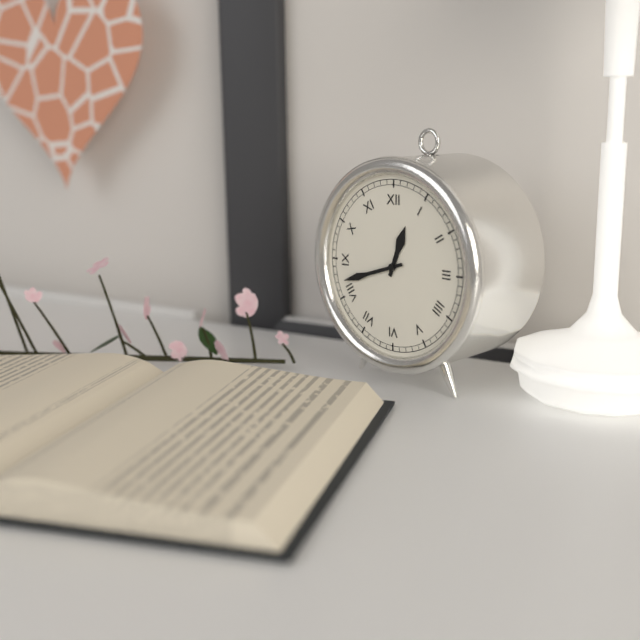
12:42
